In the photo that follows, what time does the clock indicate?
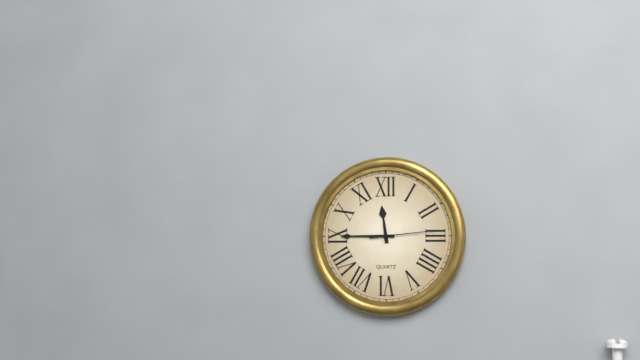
11:45:14
